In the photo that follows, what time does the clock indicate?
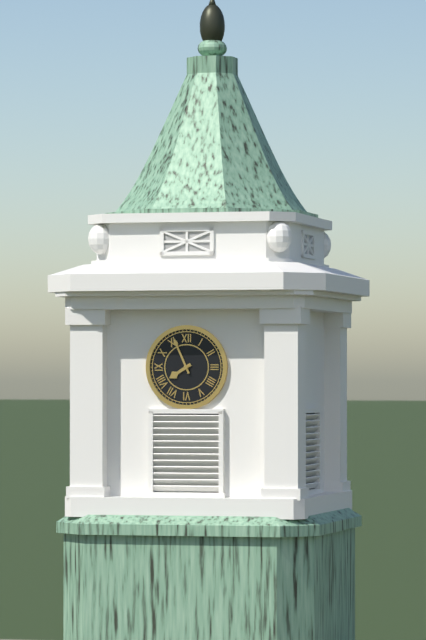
7:56
